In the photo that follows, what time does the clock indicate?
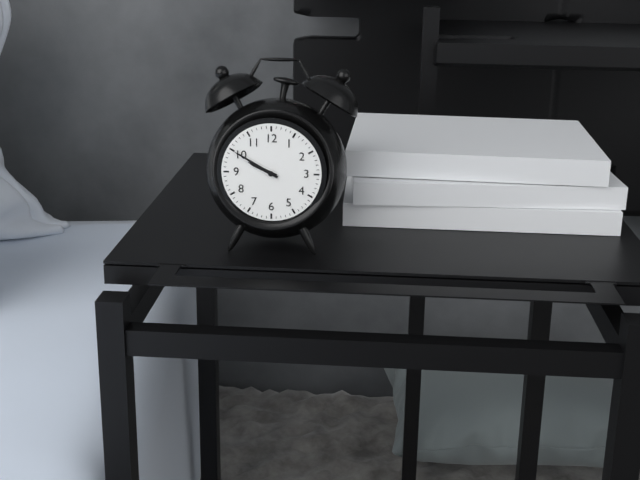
9:50
